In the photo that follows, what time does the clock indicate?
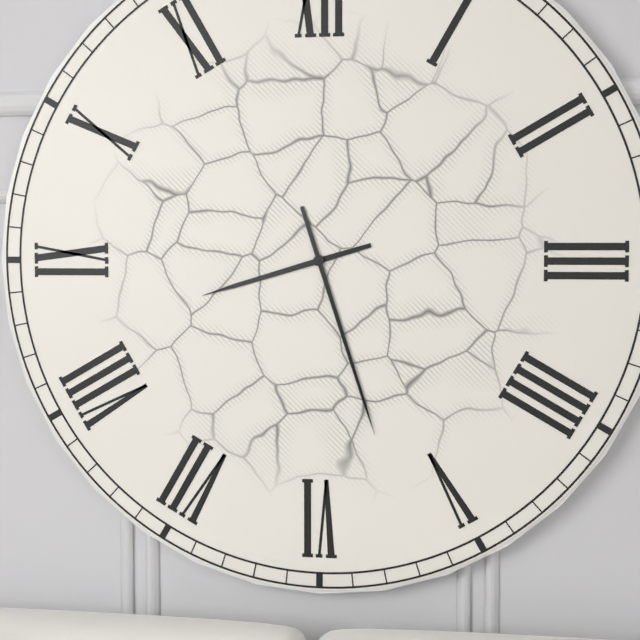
8:27
